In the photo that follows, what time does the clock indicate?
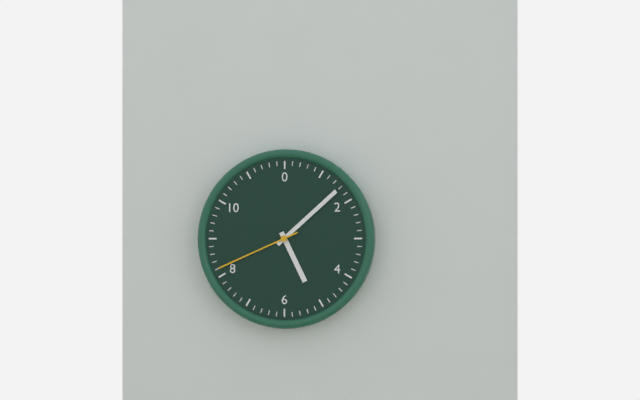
5:08:41
